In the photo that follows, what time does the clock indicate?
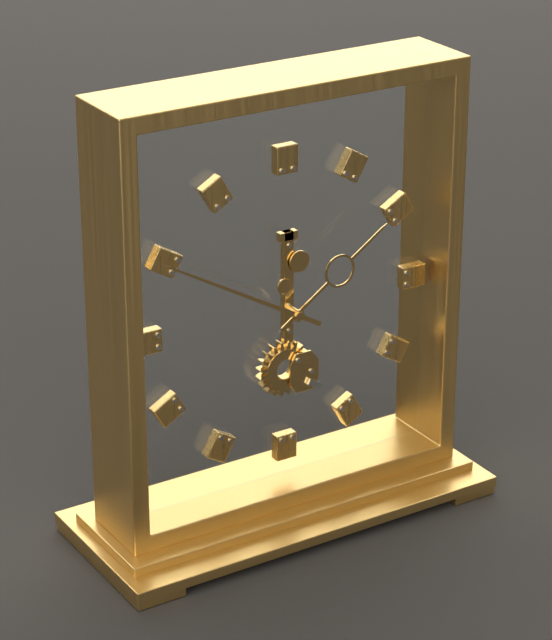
1:50
